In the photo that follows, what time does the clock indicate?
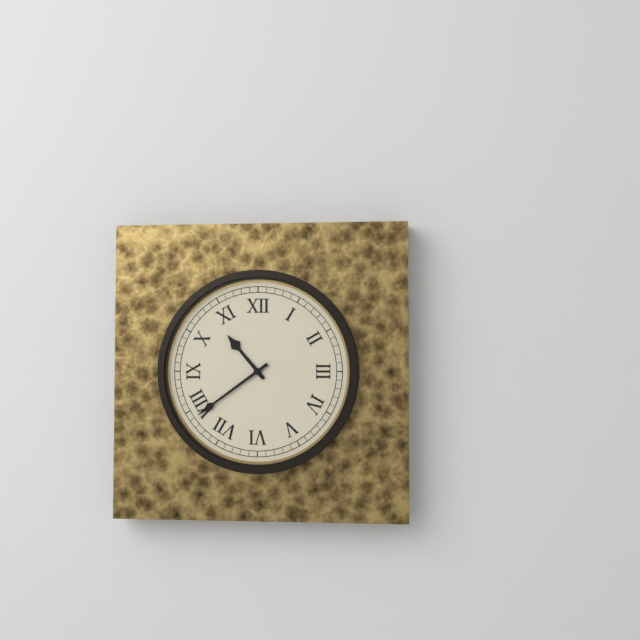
10:39
